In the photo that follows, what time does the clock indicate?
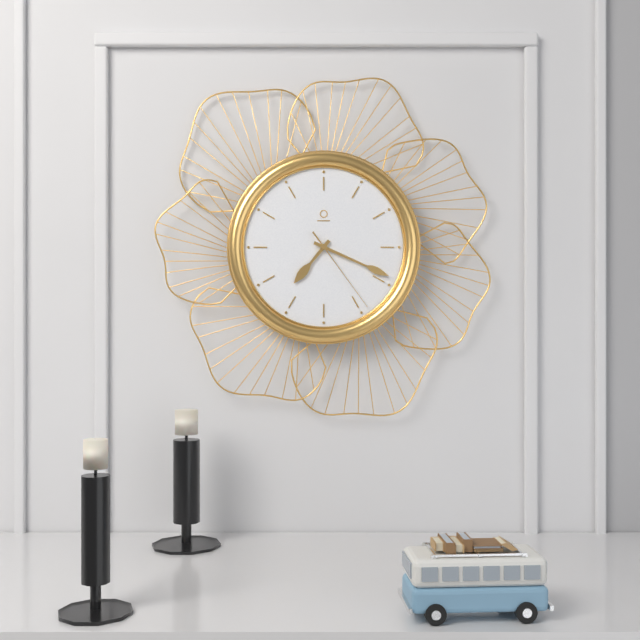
7:19:24
